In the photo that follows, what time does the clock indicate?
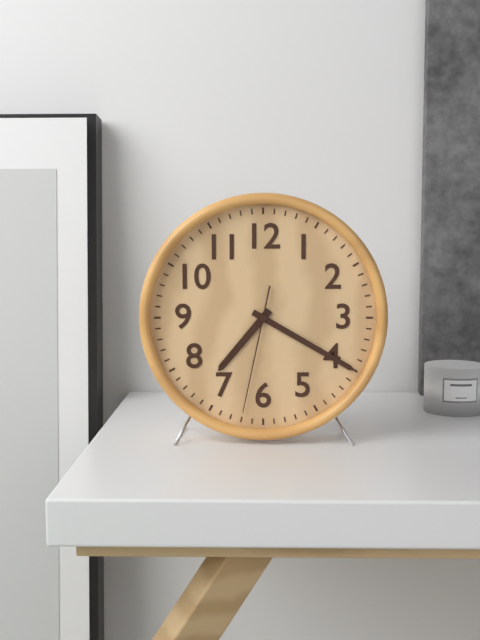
7:20:32
